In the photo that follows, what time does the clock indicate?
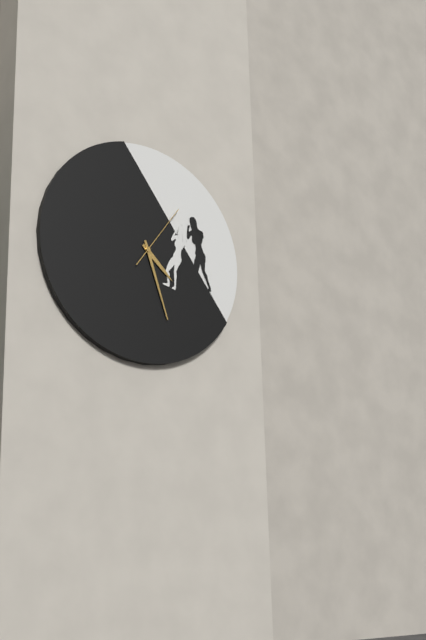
4:27:06
